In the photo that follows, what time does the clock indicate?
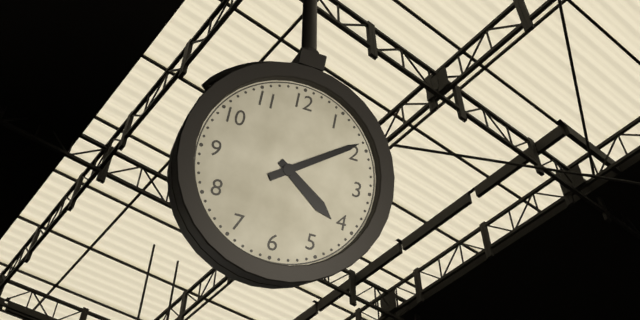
4:09
